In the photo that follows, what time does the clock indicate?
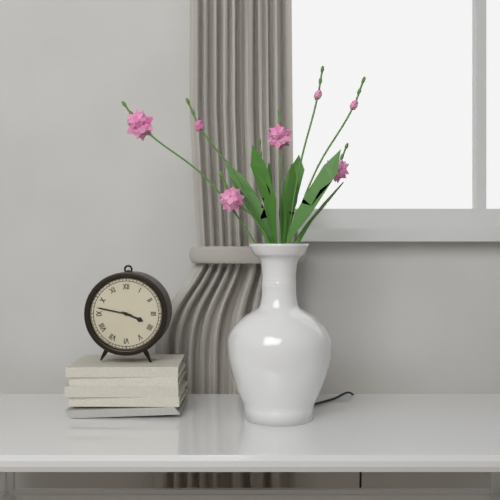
3:47
